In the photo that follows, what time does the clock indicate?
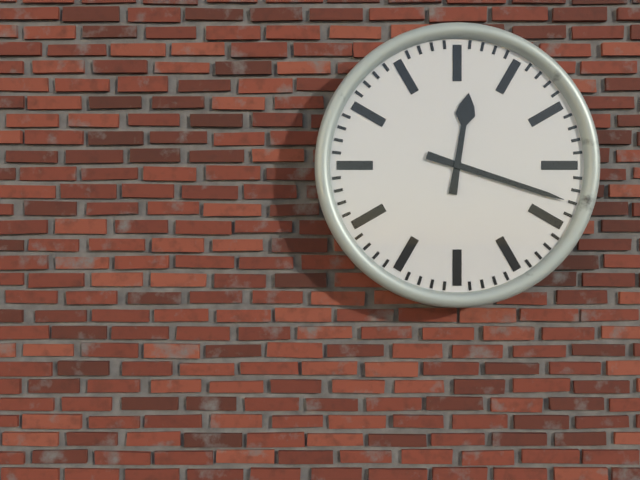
12:18
